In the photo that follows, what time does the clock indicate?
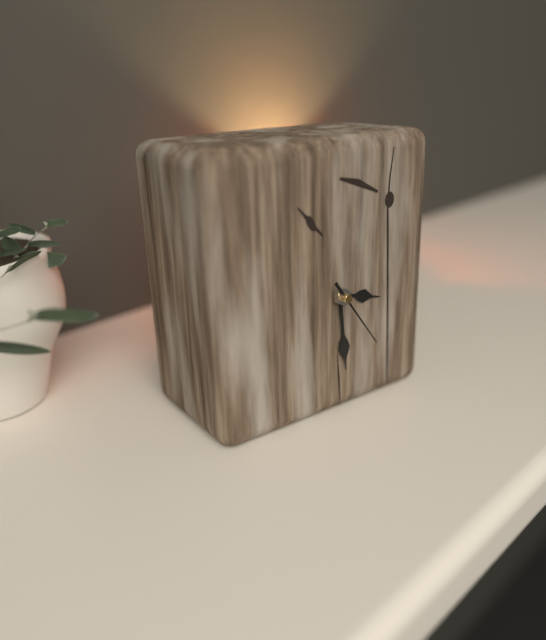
3:29:24
